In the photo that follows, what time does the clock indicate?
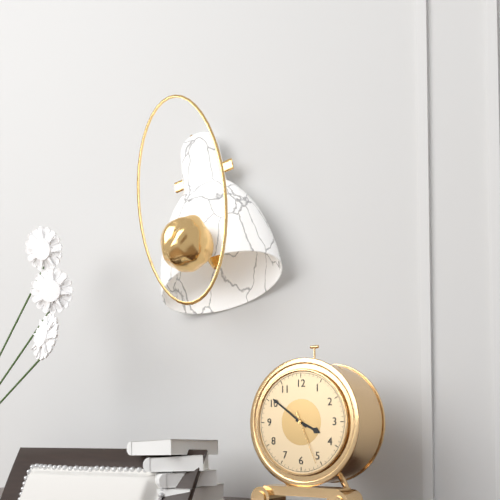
3:51:26
